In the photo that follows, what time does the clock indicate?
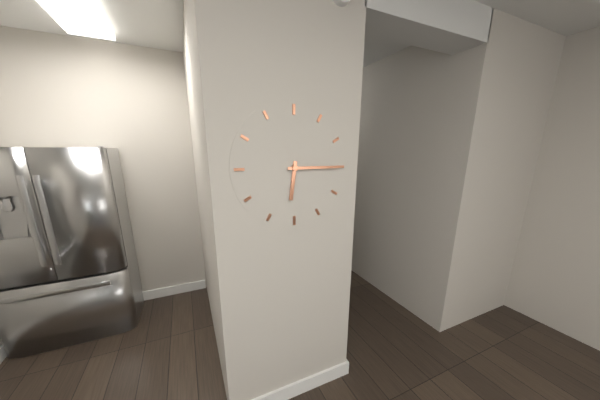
6:15
